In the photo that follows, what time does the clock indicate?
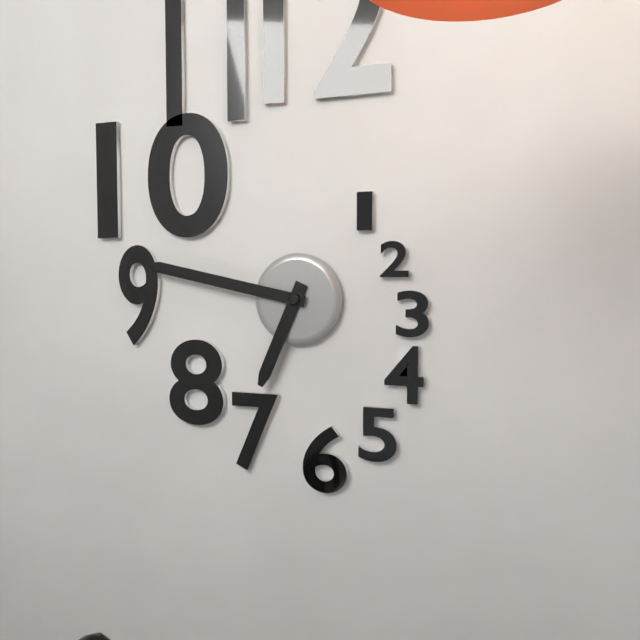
6:47
